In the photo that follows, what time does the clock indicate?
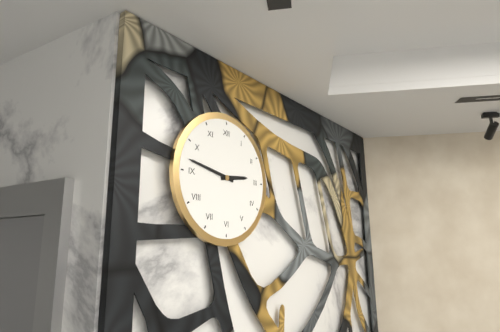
2:47
